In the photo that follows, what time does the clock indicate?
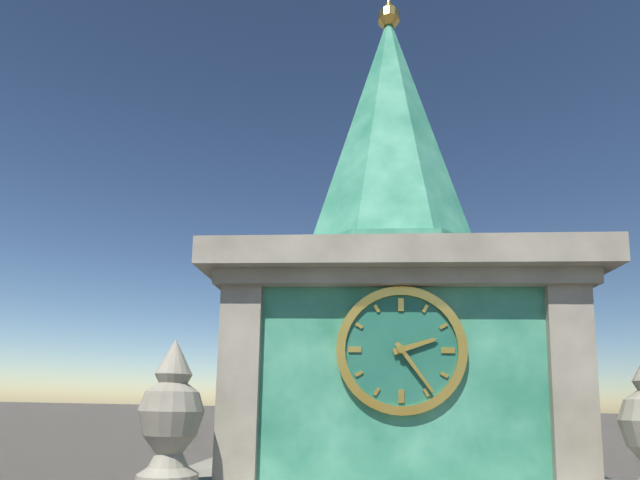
2:24
